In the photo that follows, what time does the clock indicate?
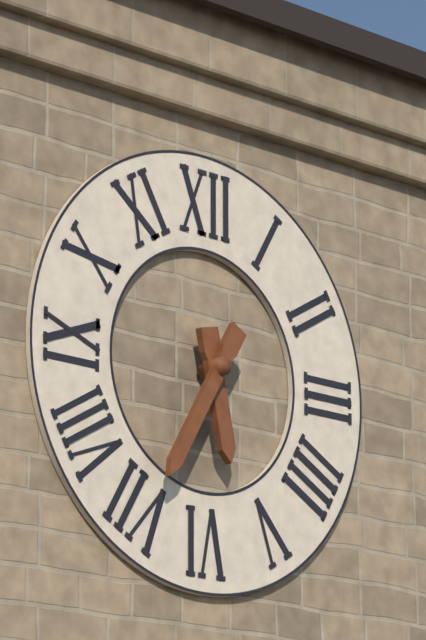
5:35
